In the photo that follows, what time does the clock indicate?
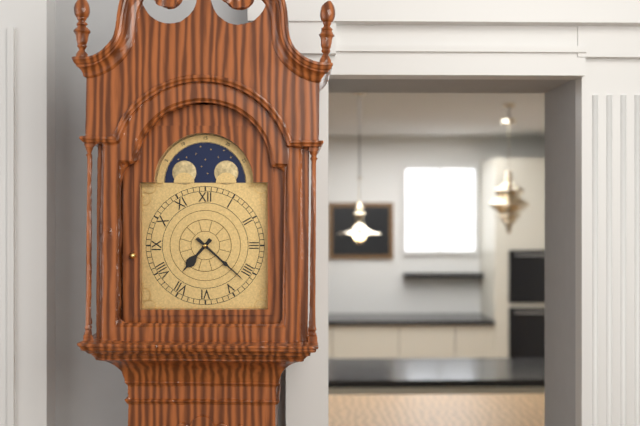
7:22
